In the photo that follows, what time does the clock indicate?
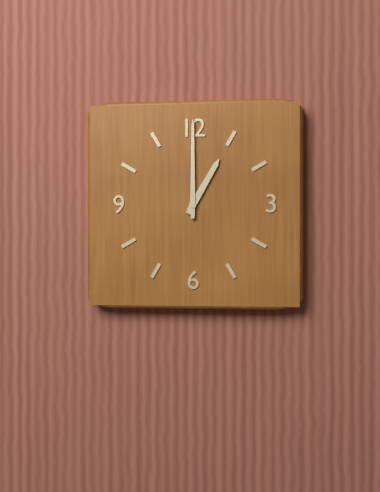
1:00
